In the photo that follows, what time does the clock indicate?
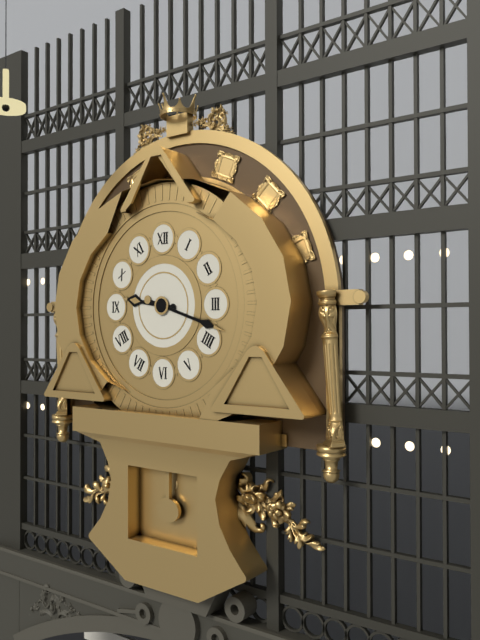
9:18
